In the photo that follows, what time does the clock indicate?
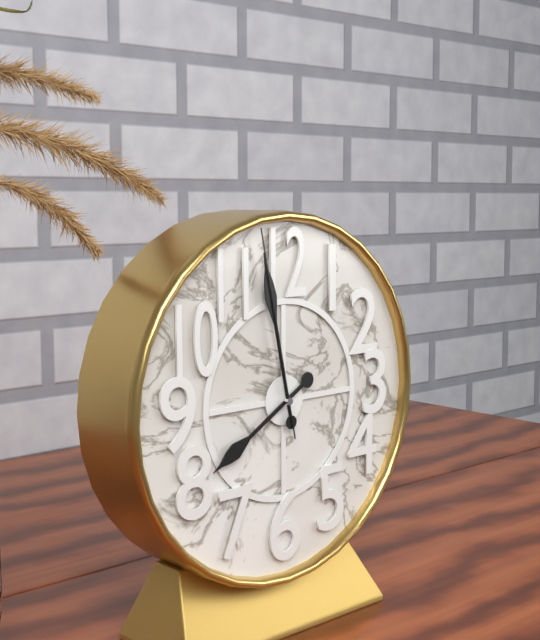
7:58:58
